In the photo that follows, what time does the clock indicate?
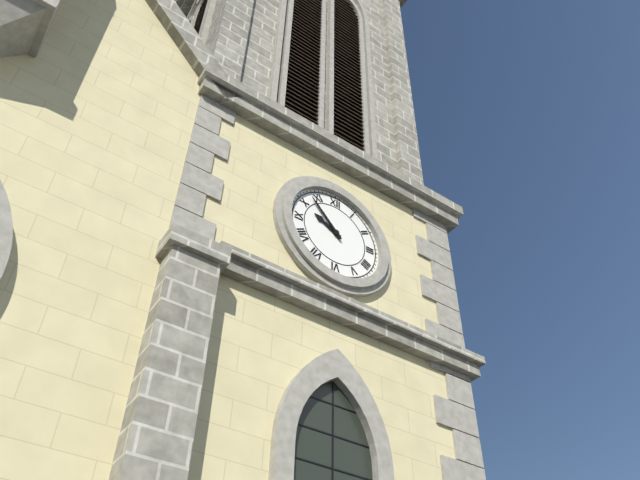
9:53
